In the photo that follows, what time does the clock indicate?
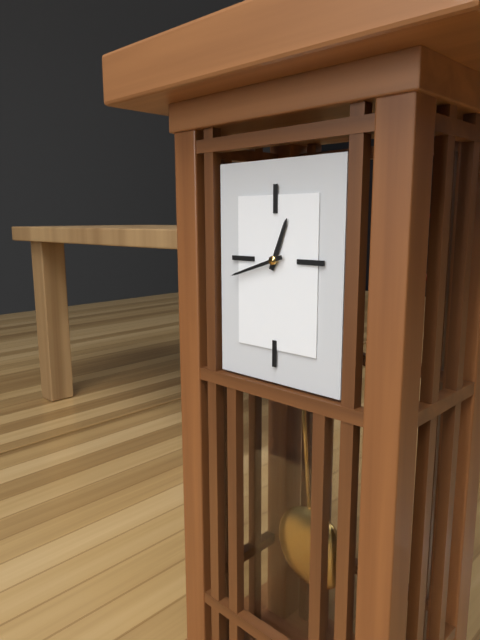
12:42
